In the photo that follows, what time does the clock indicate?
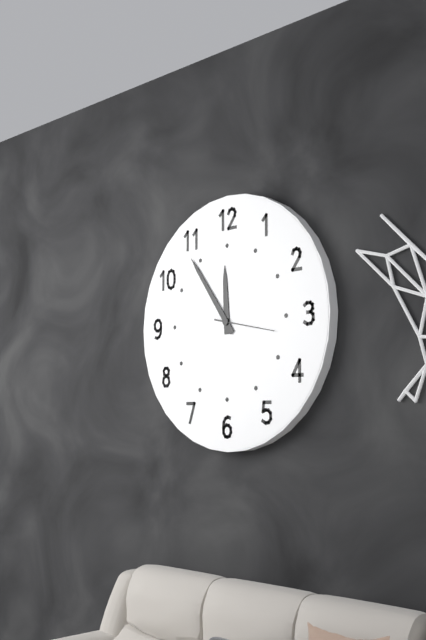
11:54:17
